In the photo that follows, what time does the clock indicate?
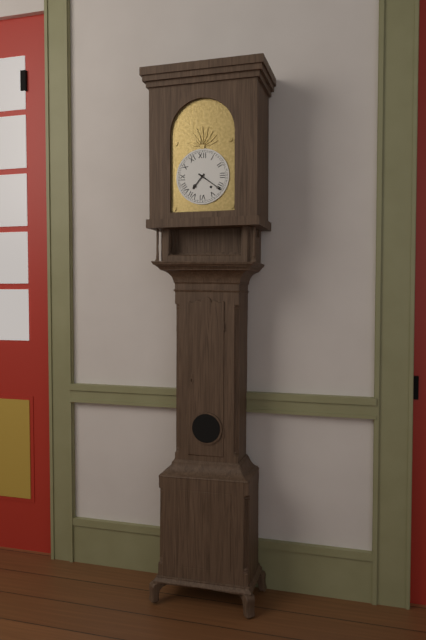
7:21
